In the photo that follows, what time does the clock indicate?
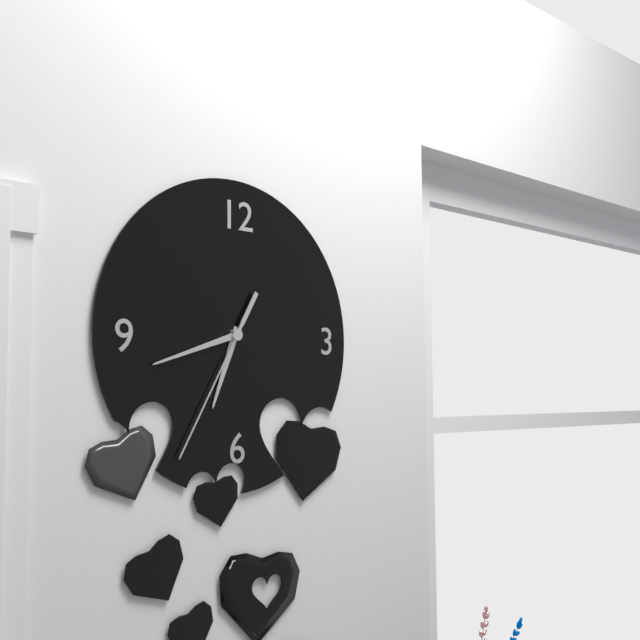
6:42:35
